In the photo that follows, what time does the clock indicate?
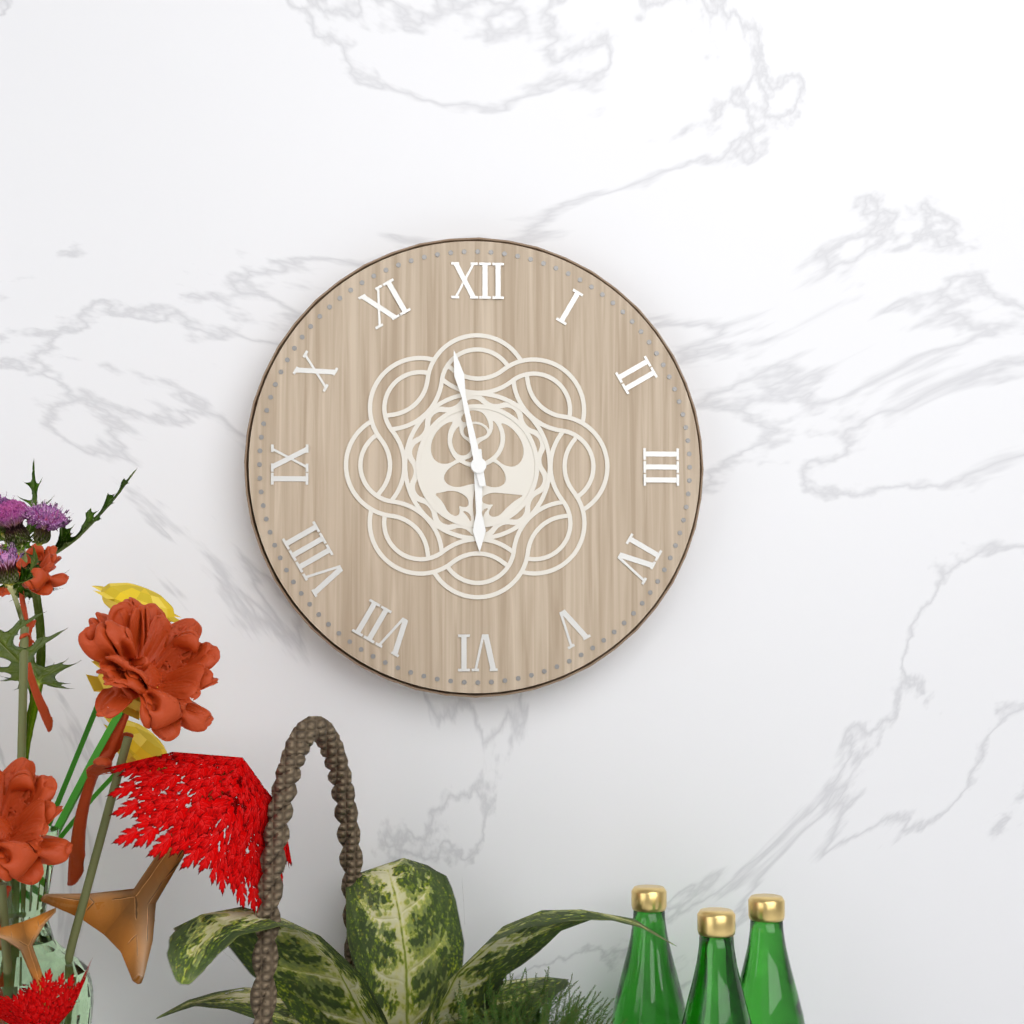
5:58
